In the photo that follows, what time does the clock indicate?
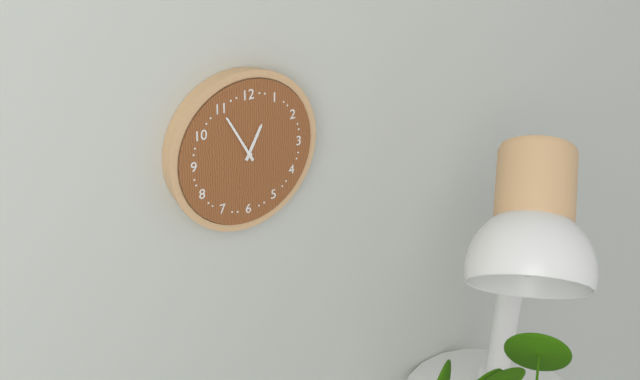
12:55
